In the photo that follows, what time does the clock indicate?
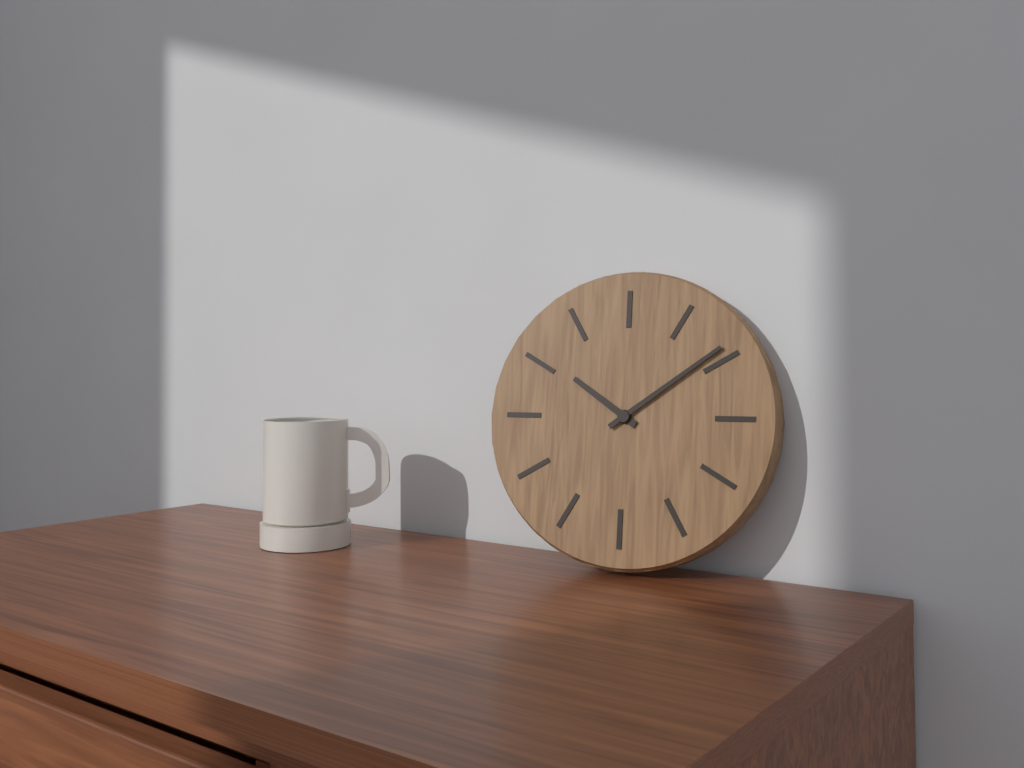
10:09
